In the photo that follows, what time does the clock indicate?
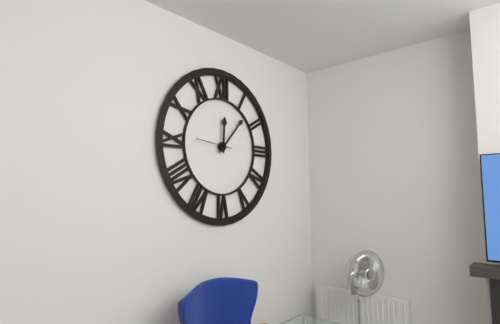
12:07
